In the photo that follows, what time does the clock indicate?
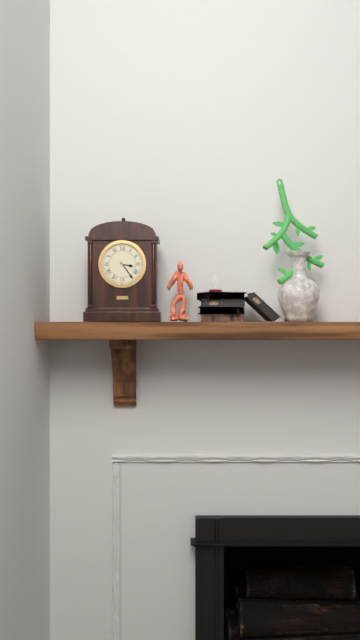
3:24
